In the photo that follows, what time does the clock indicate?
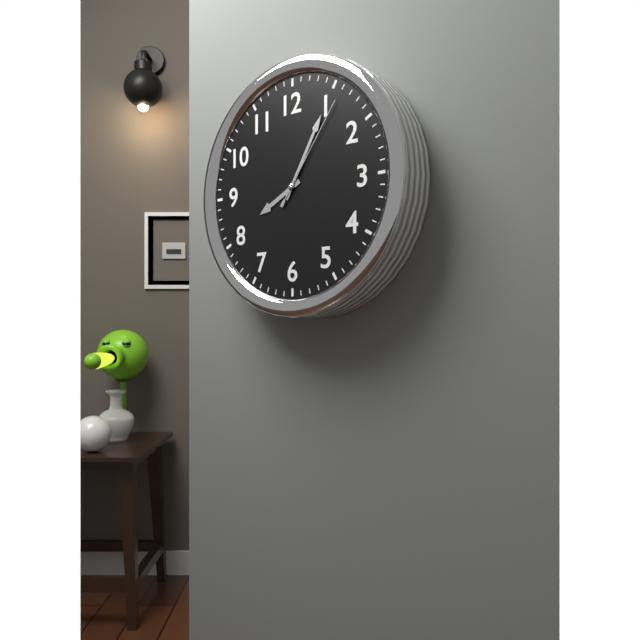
8:05:06
